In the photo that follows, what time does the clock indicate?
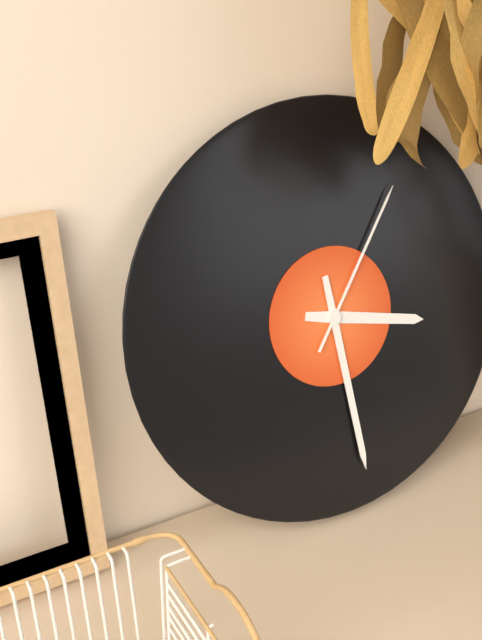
3:29:06
